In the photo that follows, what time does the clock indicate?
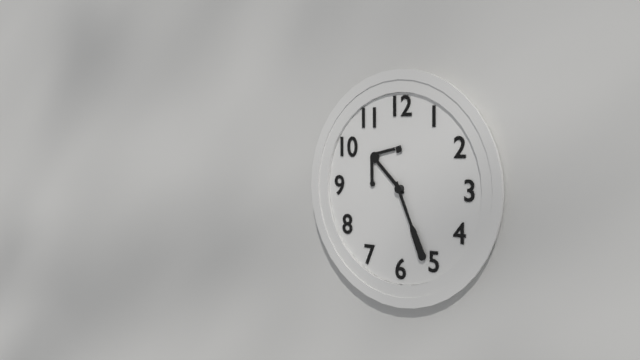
10:26
